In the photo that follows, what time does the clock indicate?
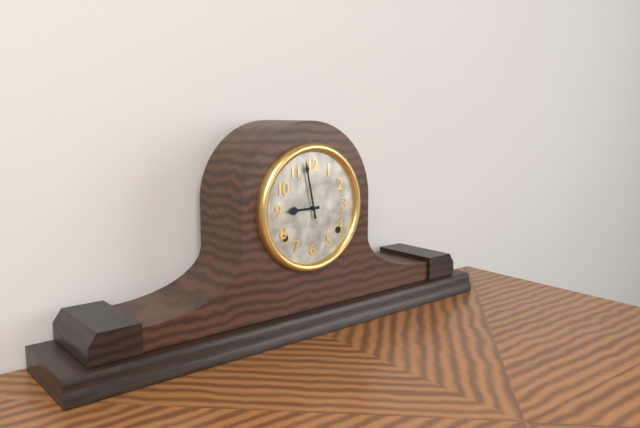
8:58
